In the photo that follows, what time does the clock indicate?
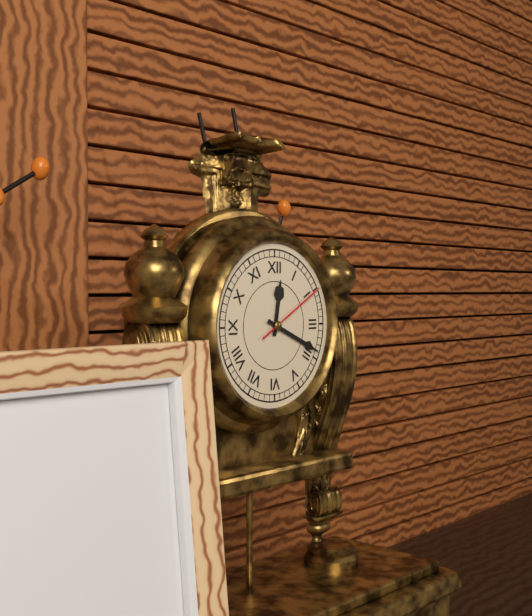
12:19:10
